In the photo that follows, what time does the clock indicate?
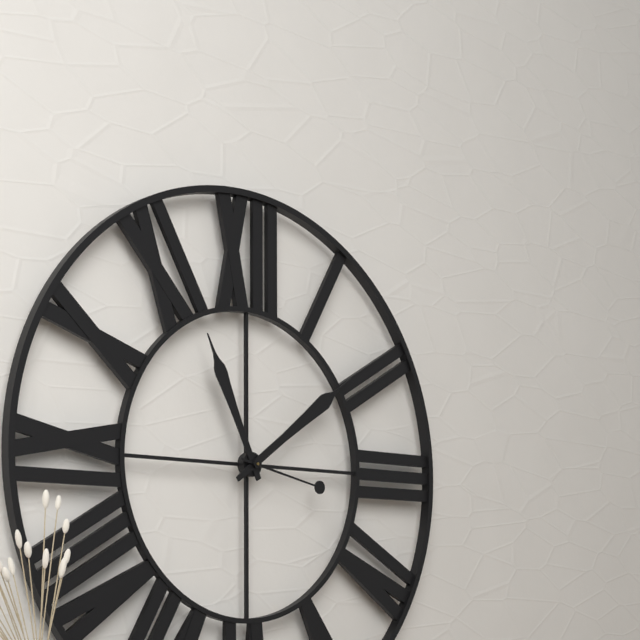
11:09:17
